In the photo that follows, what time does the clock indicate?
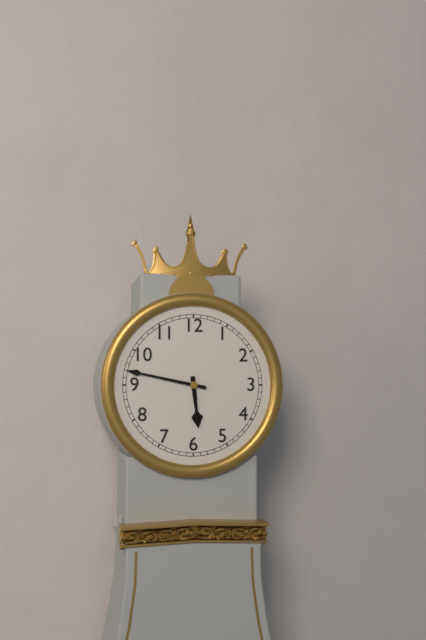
5:47
